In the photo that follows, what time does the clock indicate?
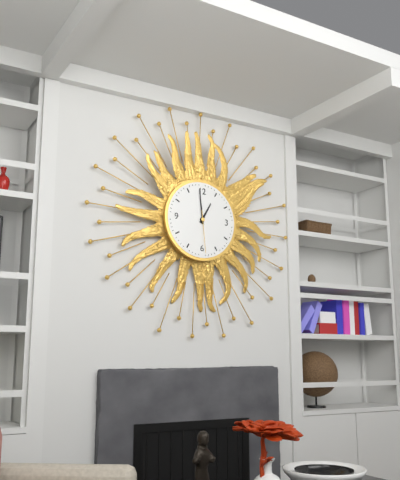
12:59
